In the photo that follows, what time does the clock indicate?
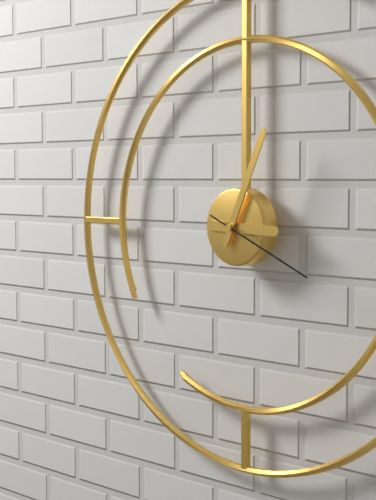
3:04:19
